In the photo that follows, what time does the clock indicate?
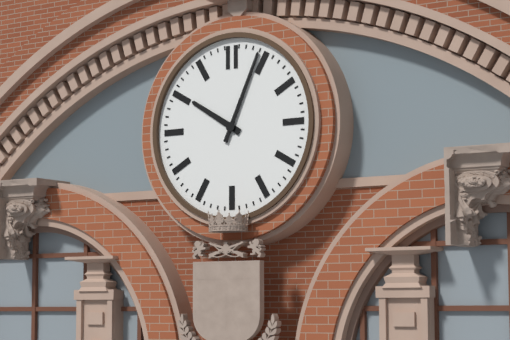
10:04
